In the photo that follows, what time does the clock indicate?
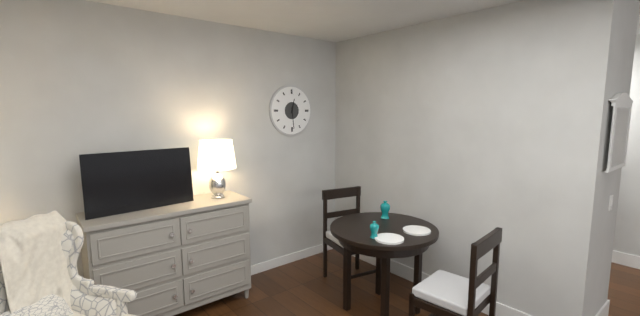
12:29
